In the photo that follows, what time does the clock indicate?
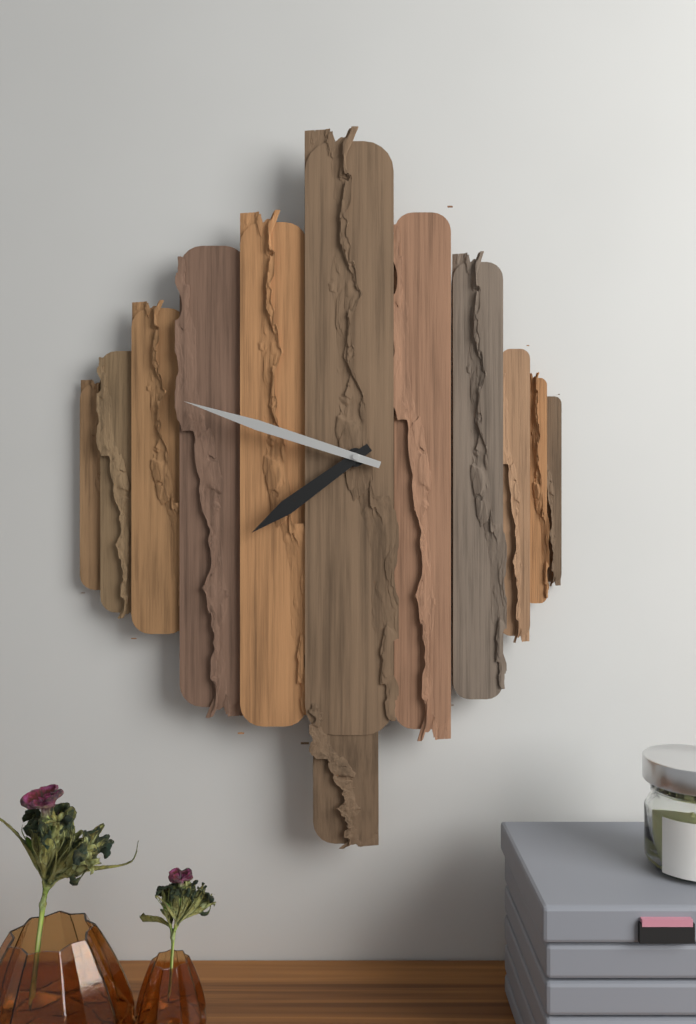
7:48
